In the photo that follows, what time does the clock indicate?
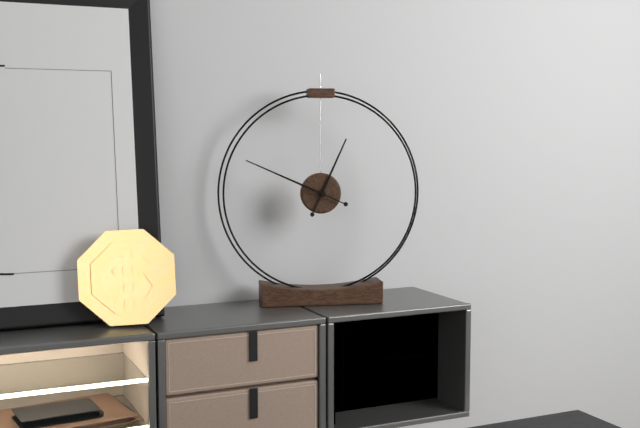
12:49
